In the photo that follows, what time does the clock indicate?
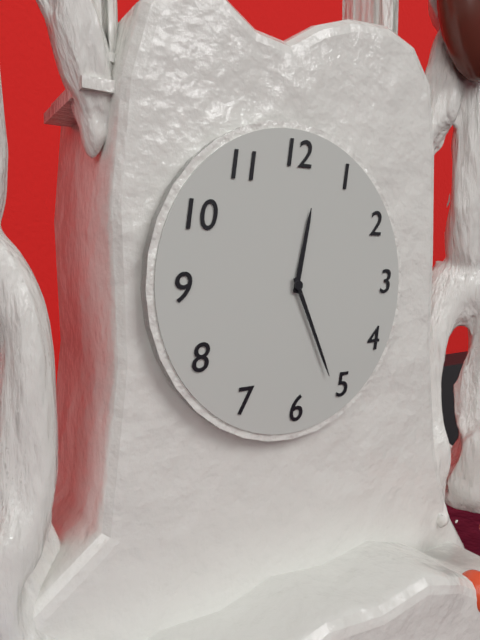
12:26
